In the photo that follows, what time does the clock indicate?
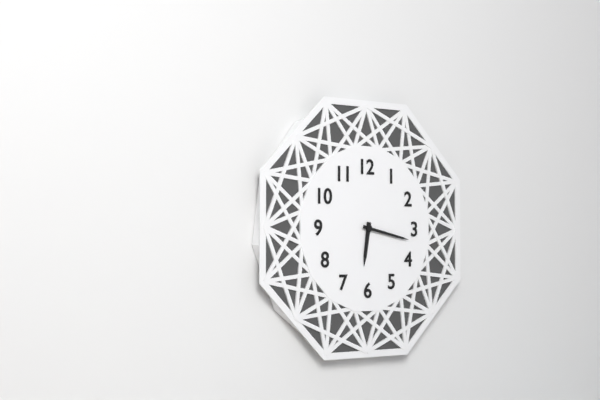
6:17
